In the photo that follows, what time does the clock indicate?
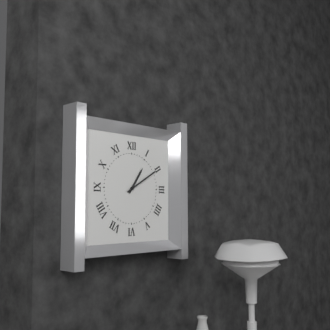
1:10
